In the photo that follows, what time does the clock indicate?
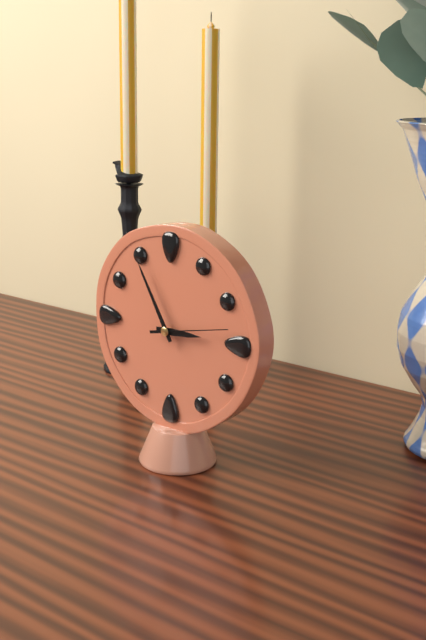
2:55:13
